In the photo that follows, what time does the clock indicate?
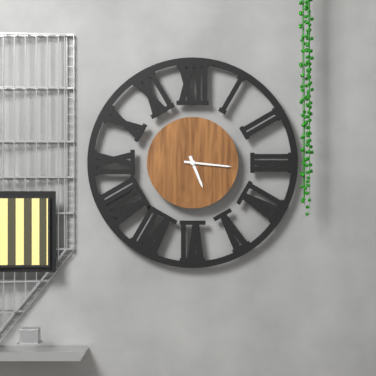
5:16
